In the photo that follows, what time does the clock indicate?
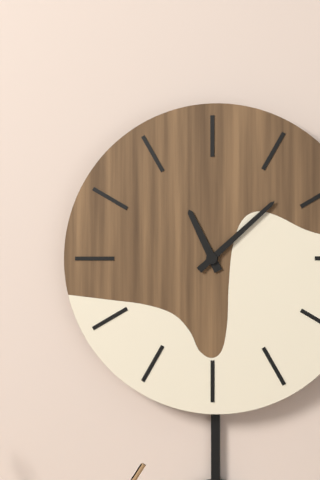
11:08
